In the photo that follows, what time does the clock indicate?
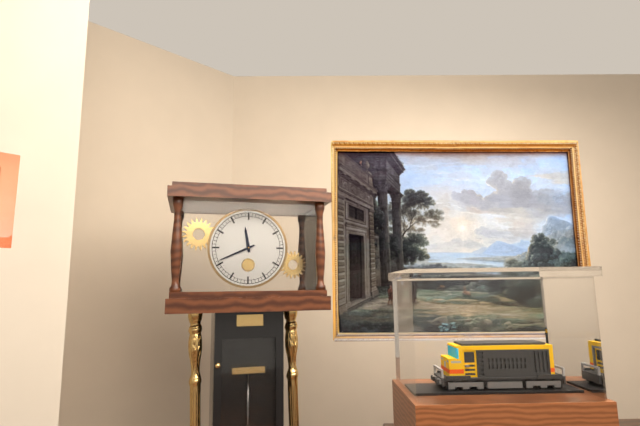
11:41
